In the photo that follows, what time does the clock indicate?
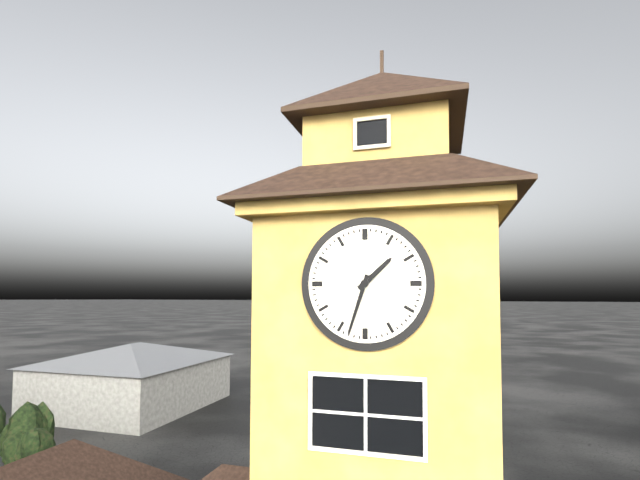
1:33
